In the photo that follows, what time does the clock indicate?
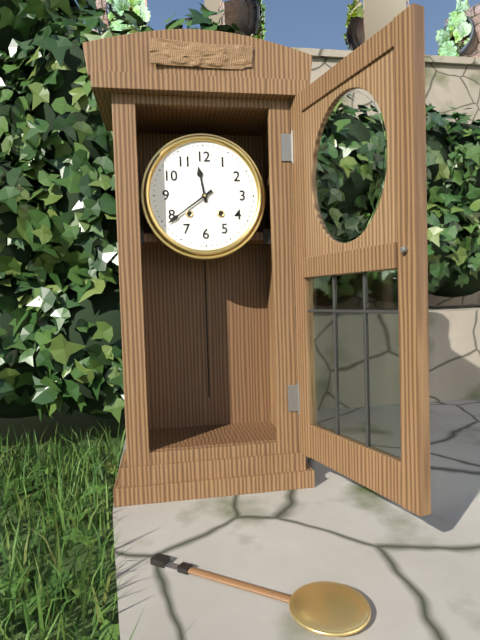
11:39
